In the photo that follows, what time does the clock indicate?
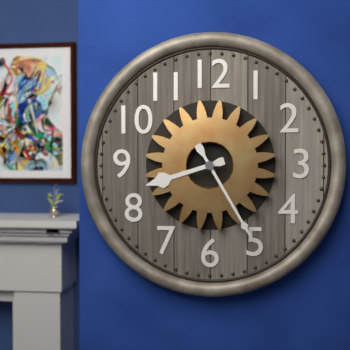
8:25
